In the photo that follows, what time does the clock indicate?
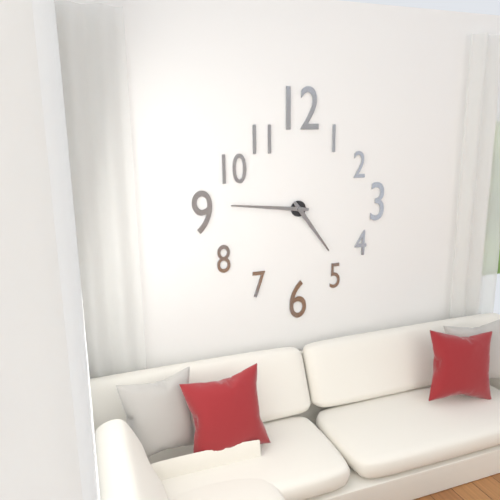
4:46
